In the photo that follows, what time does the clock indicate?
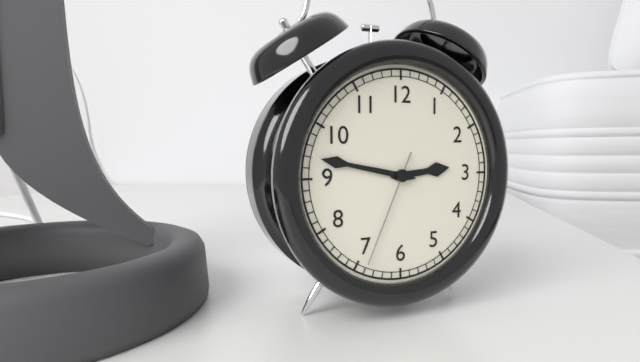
2:47:34
